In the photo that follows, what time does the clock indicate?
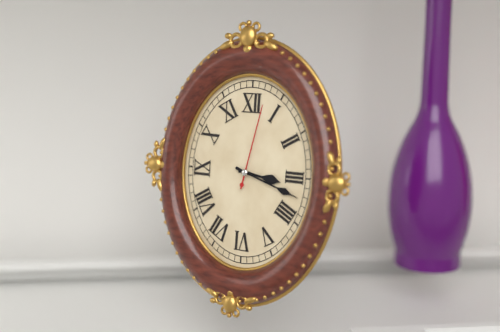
3:18:02
